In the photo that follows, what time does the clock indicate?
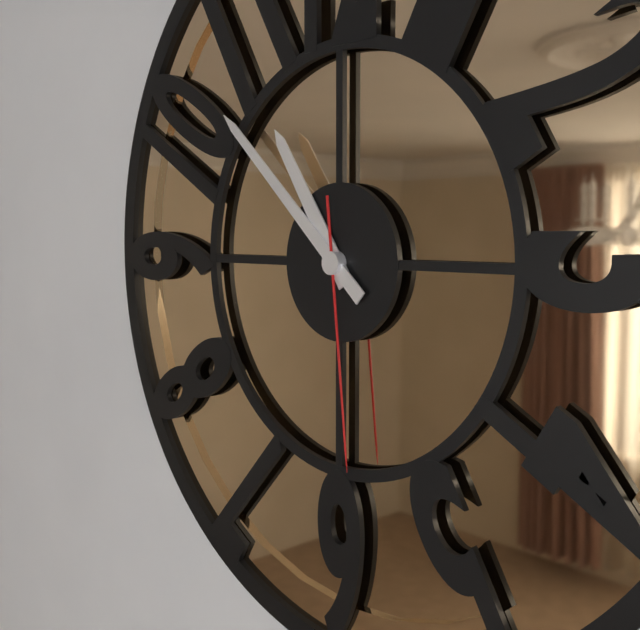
10:52:29
